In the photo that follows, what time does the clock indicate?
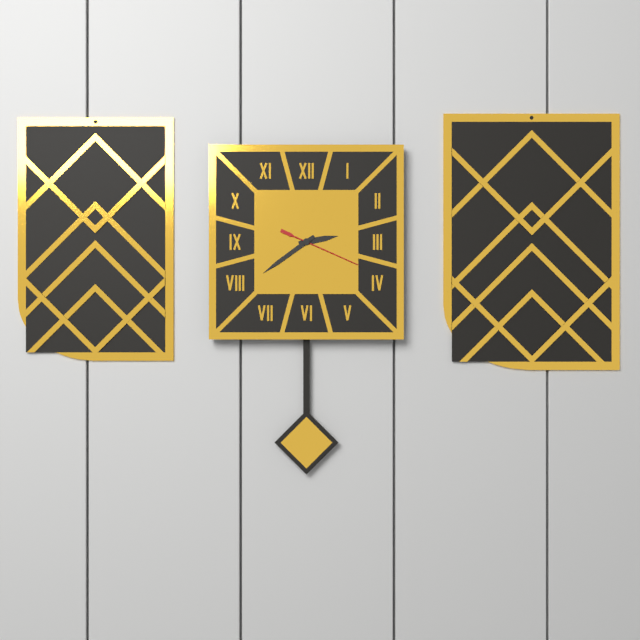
2:39:19
